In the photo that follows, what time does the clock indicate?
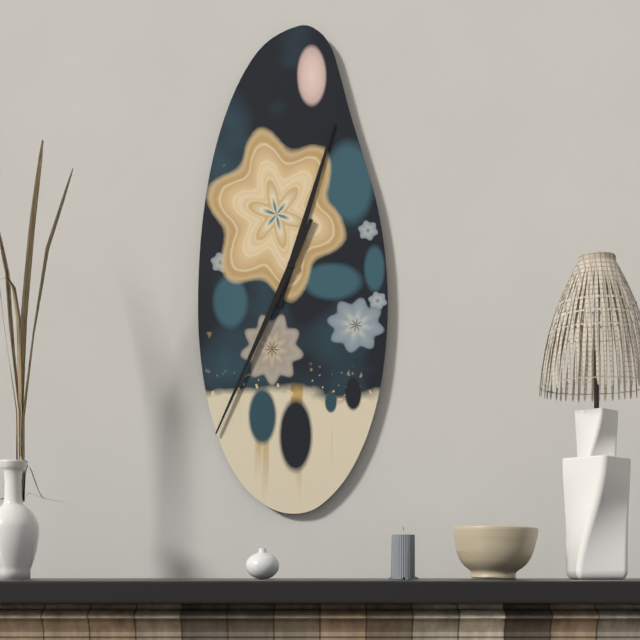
12:34
